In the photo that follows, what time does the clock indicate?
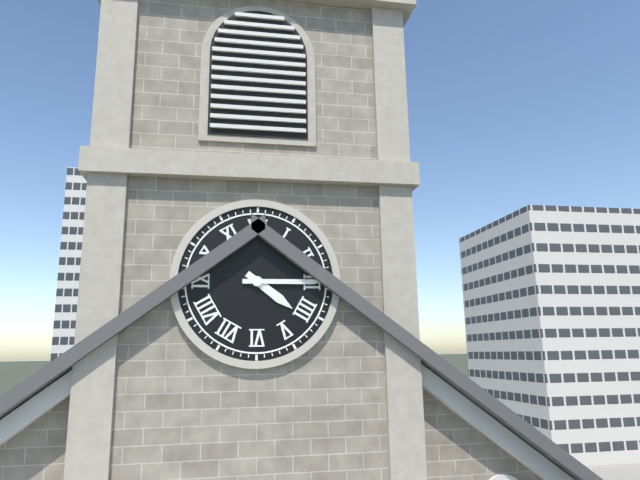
4:15
